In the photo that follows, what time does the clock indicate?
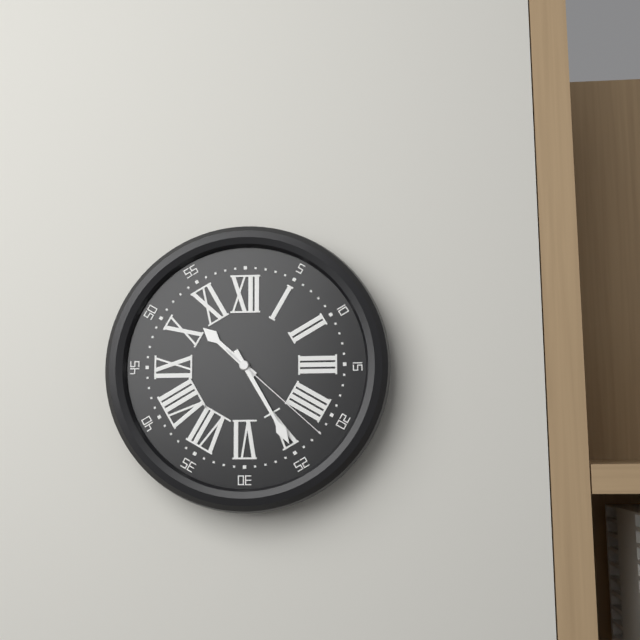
10:25:22
